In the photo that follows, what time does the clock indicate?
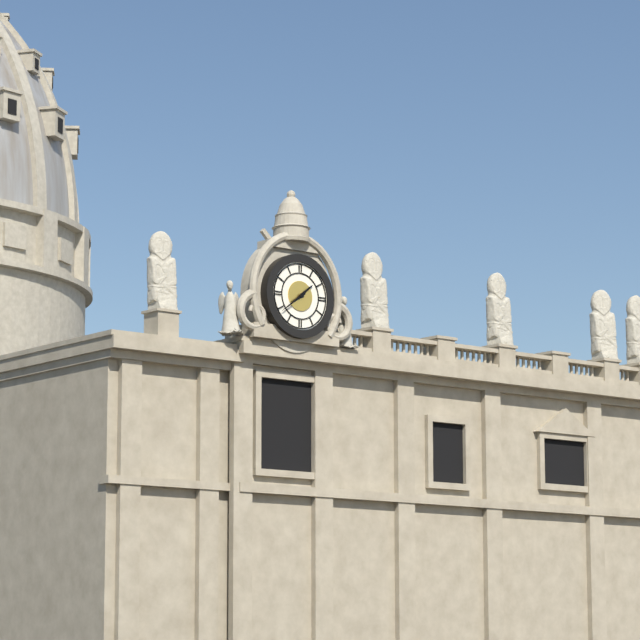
1:39
